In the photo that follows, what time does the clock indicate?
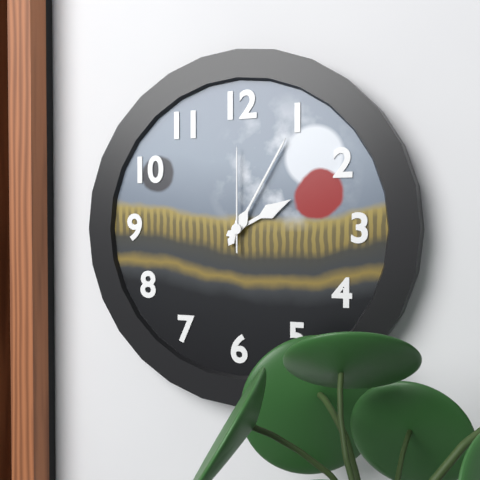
2:05:00
